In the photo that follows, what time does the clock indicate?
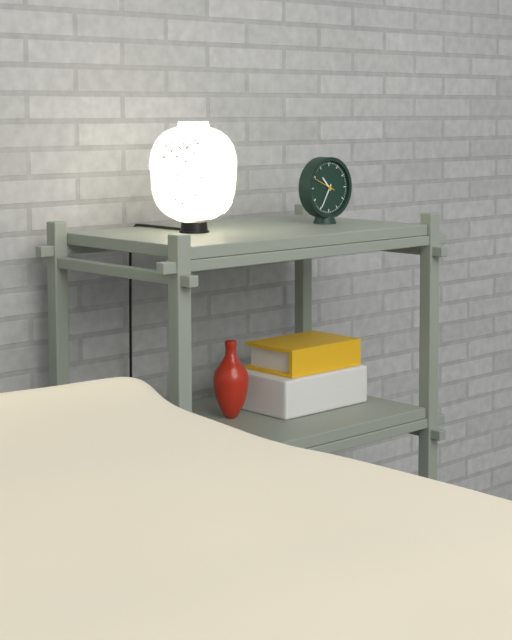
10:35
